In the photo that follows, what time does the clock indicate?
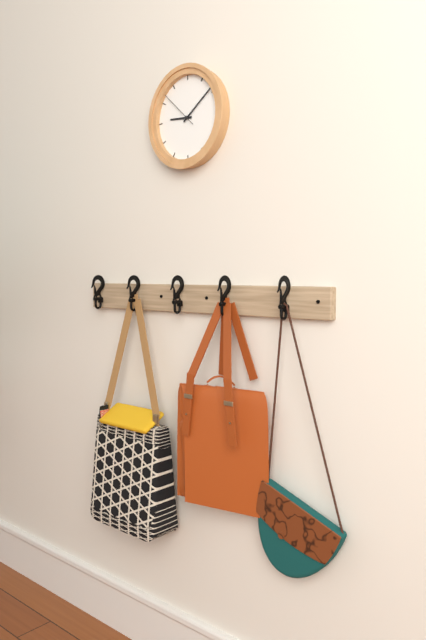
9:09
